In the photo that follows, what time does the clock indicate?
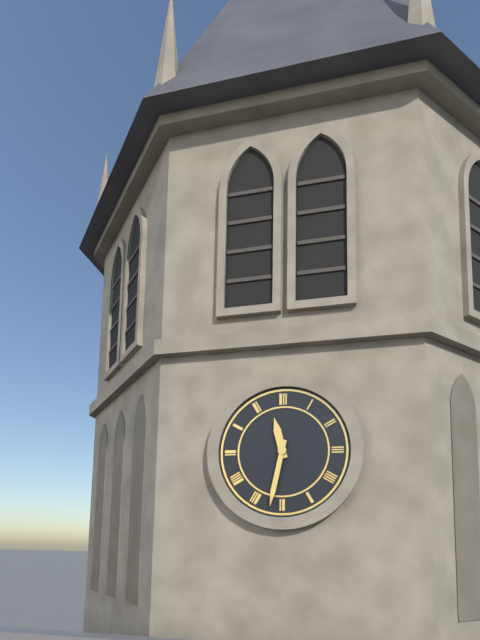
11:32
